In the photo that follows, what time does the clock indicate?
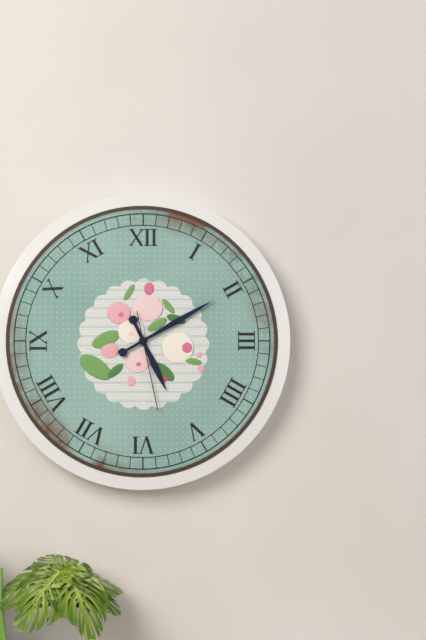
5:10:28
